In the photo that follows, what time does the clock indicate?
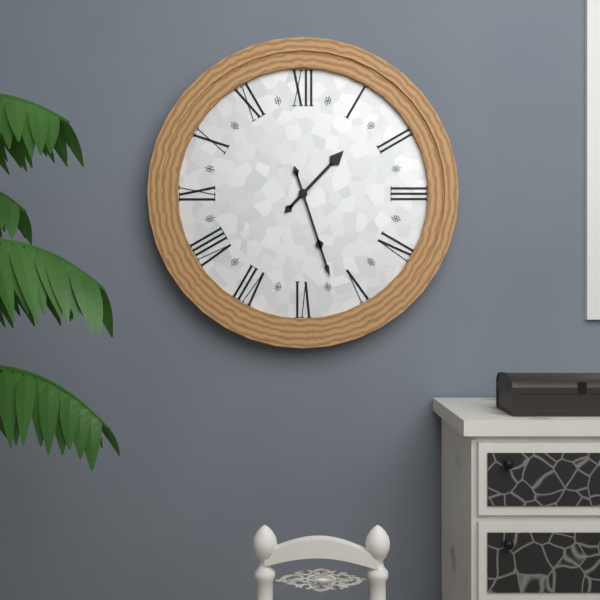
1:27
